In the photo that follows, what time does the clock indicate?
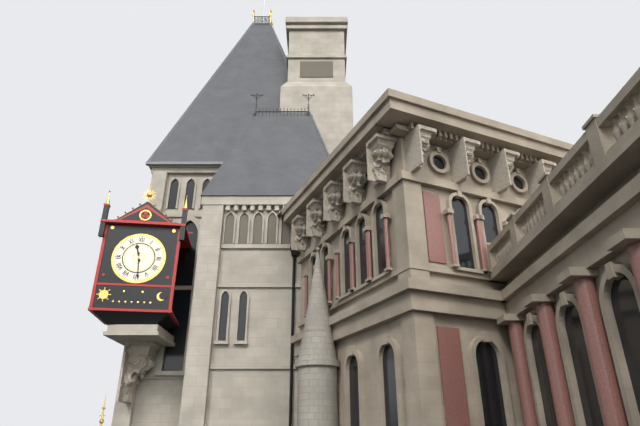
11:29
